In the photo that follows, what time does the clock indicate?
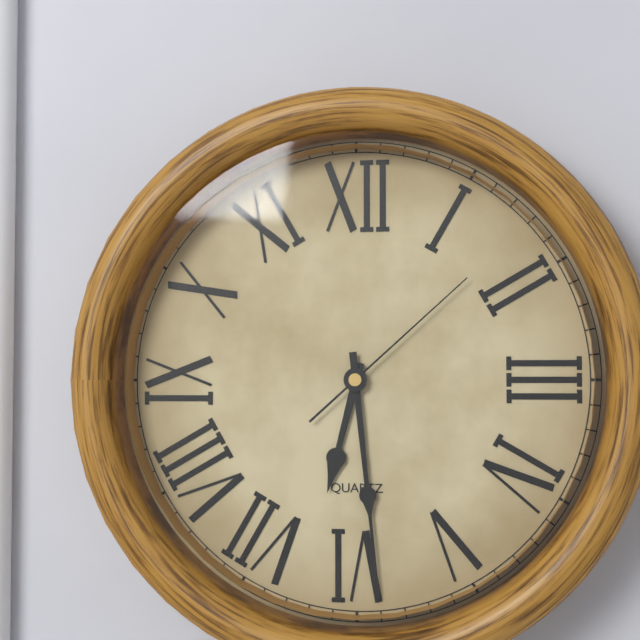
6:29:08
